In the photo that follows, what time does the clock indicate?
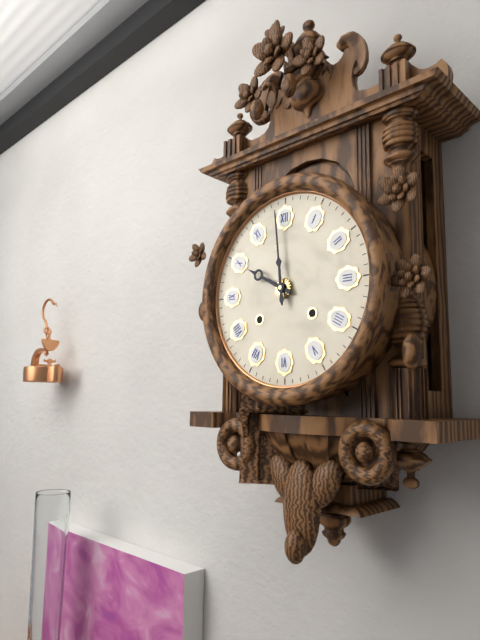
9:59
